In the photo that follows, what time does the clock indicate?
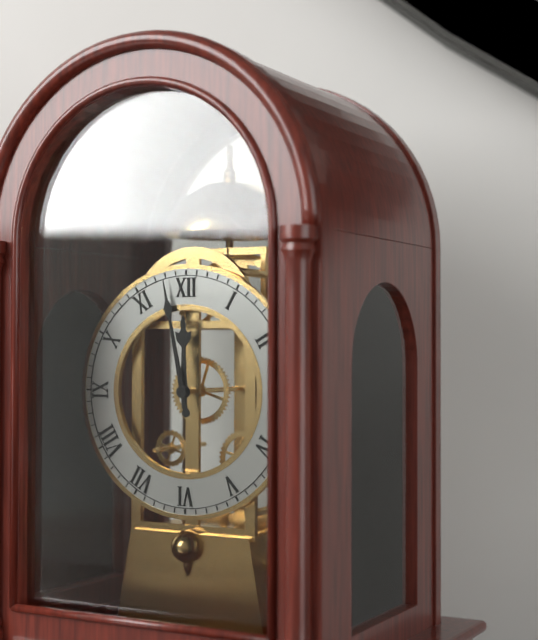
11:58
